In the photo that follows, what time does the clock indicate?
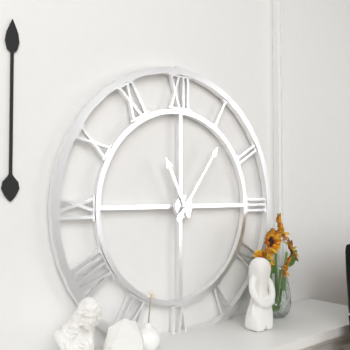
11:06
